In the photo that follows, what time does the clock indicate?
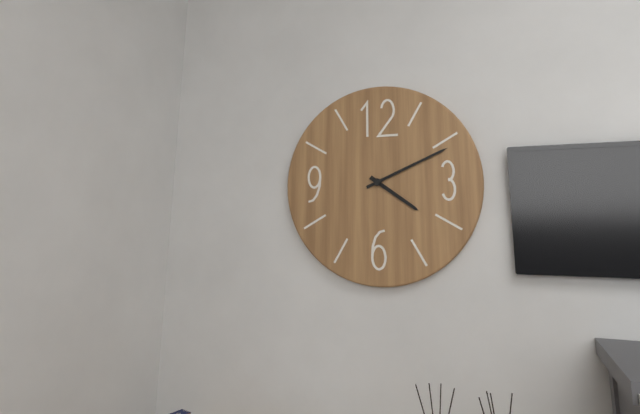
4:11
